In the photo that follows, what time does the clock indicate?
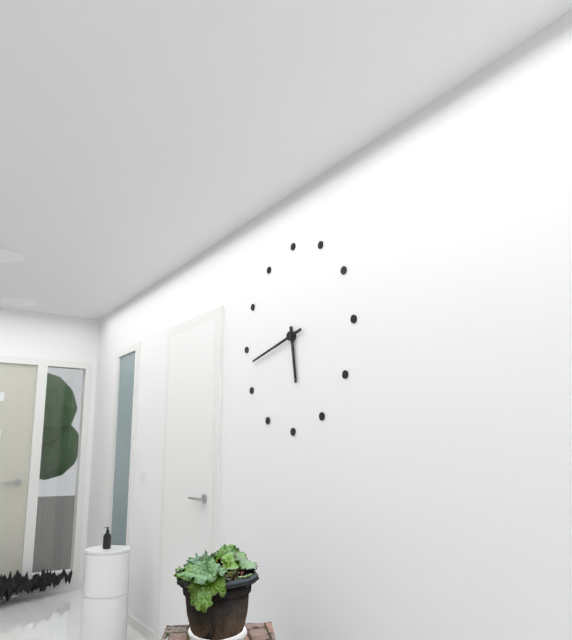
5:43
